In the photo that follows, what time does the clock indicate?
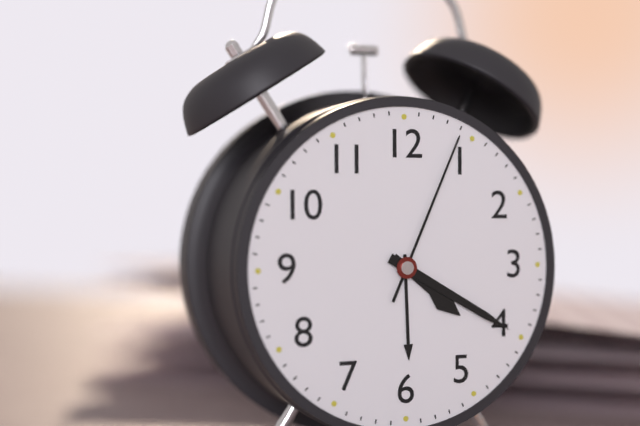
4:20:04
